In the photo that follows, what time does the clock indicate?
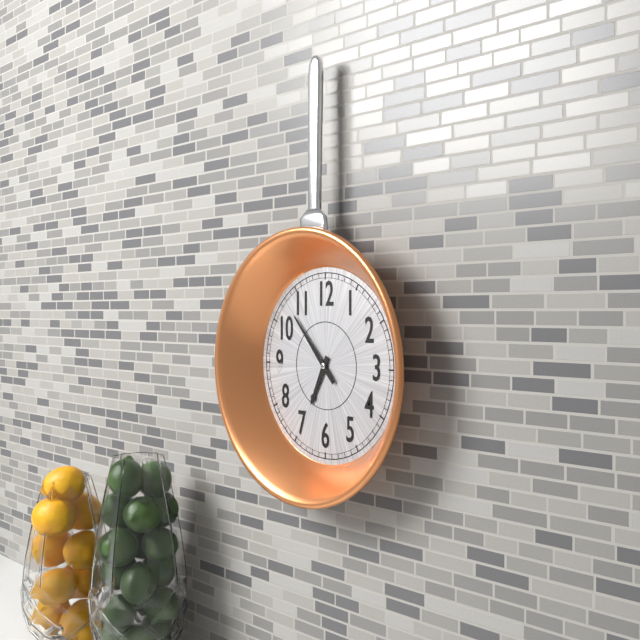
6:53
